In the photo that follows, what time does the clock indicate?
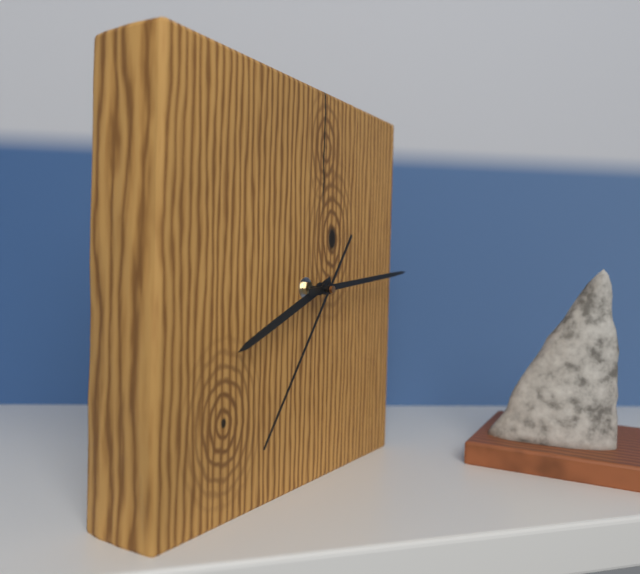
8:14:36
